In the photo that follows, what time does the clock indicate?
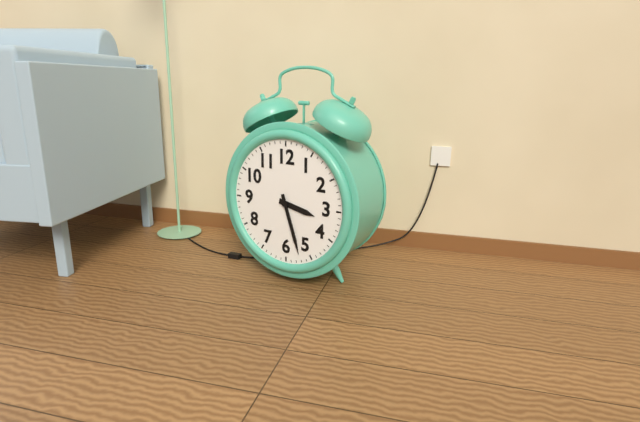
3:27
